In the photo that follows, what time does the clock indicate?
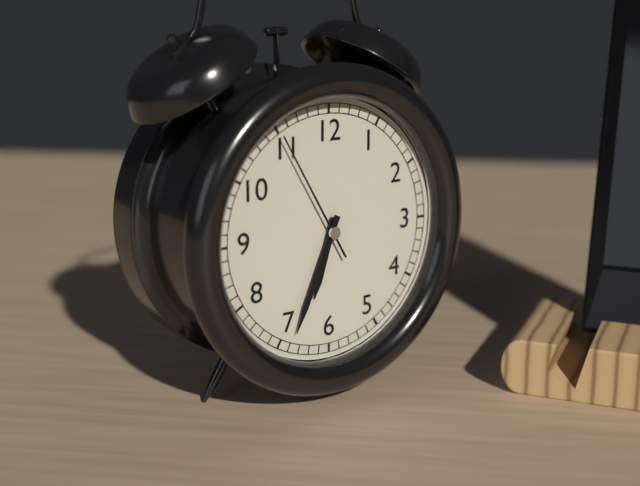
6:34:55
